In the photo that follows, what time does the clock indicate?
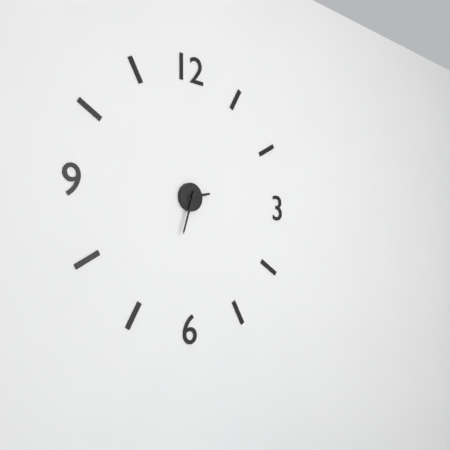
2:33
